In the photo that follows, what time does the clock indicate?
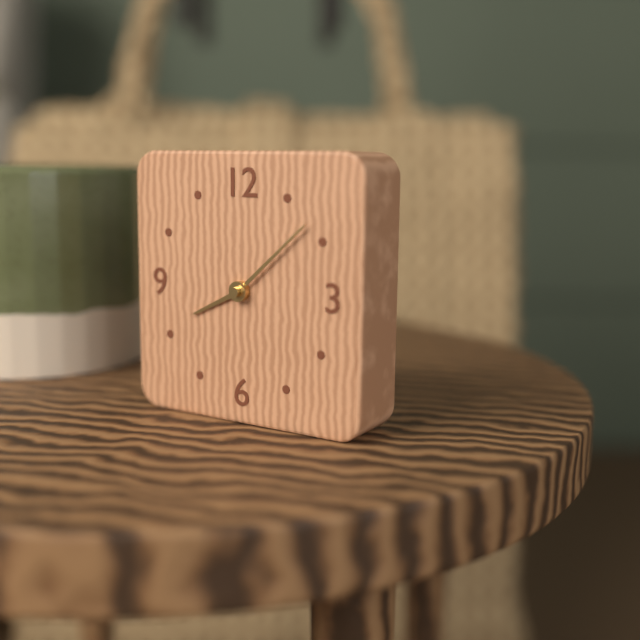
8:08
